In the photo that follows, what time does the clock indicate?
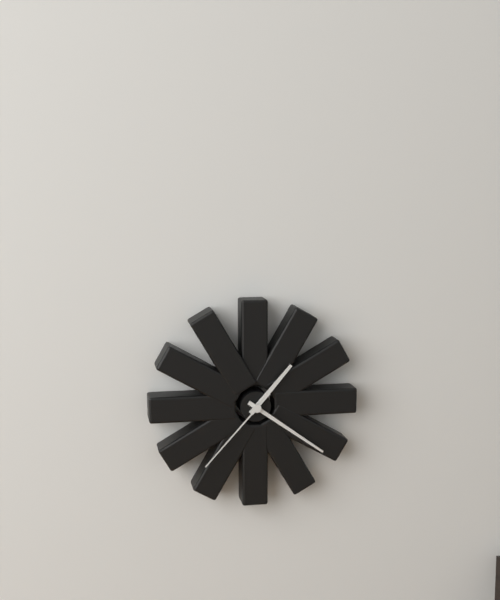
1:21:37
